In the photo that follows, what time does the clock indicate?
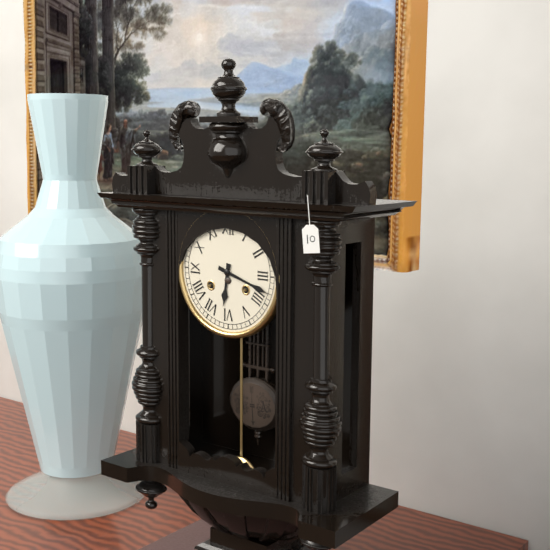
6:18
